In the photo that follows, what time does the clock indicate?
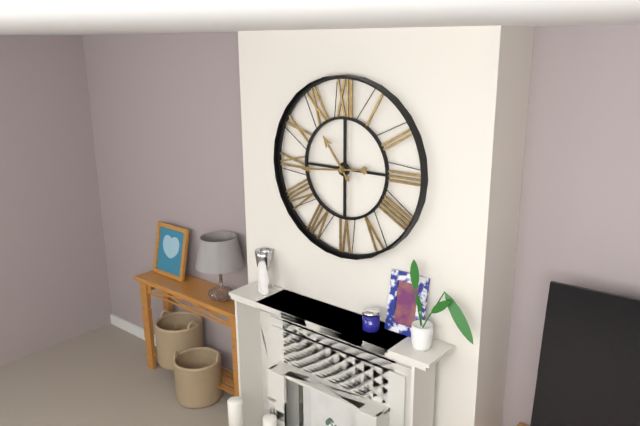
10:44
